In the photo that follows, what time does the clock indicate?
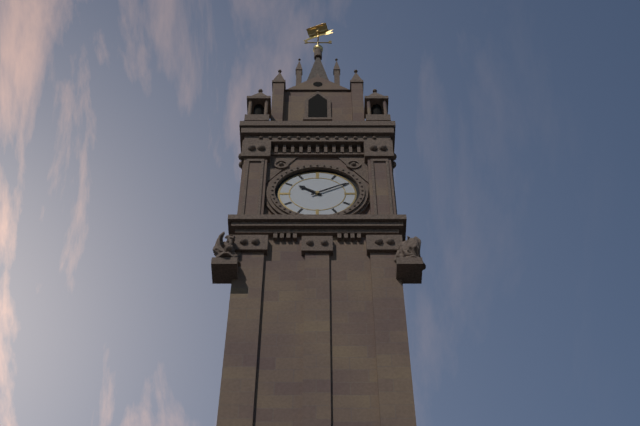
10:10
